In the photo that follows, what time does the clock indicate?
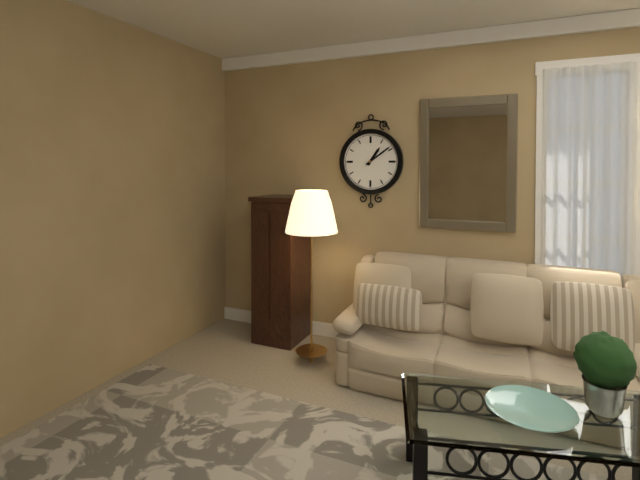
1:09
